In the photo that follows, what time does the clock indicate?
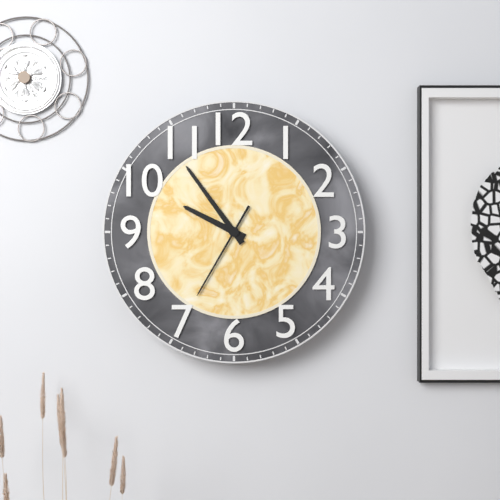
9:54:35
